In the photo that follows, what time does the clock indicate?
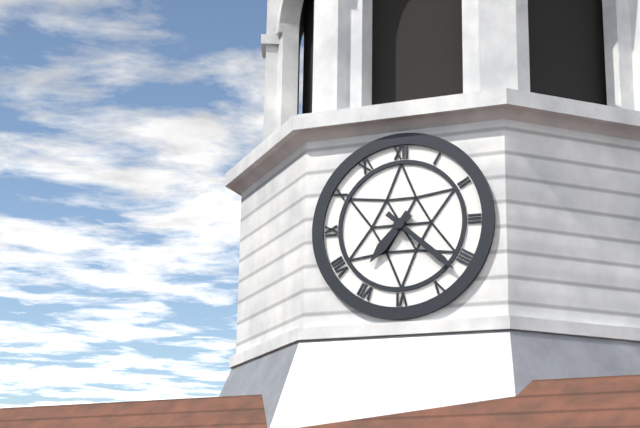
7:22
